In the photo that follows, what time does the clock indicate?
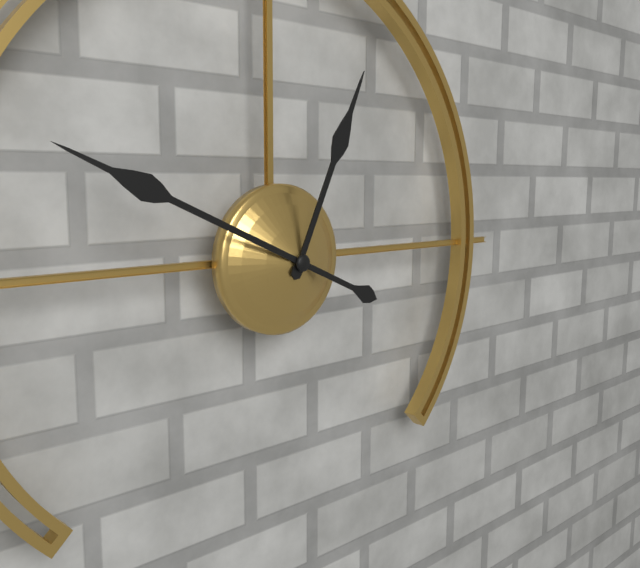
12:49
